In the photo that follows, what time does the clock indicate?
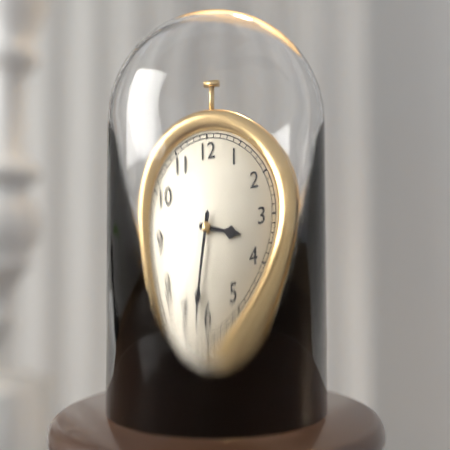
3:32
